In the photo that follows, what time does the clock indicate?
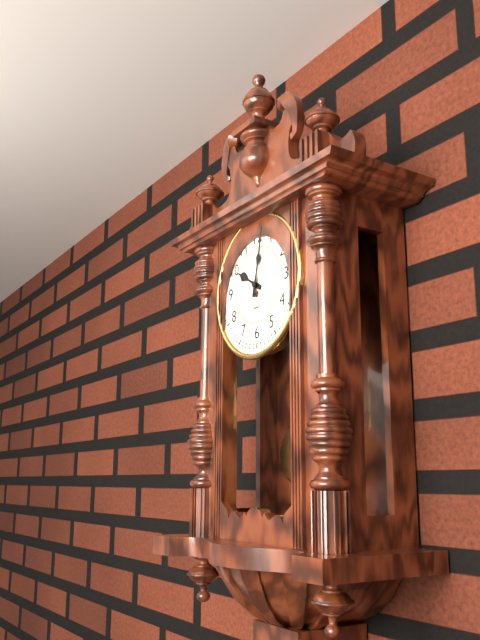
10:02
